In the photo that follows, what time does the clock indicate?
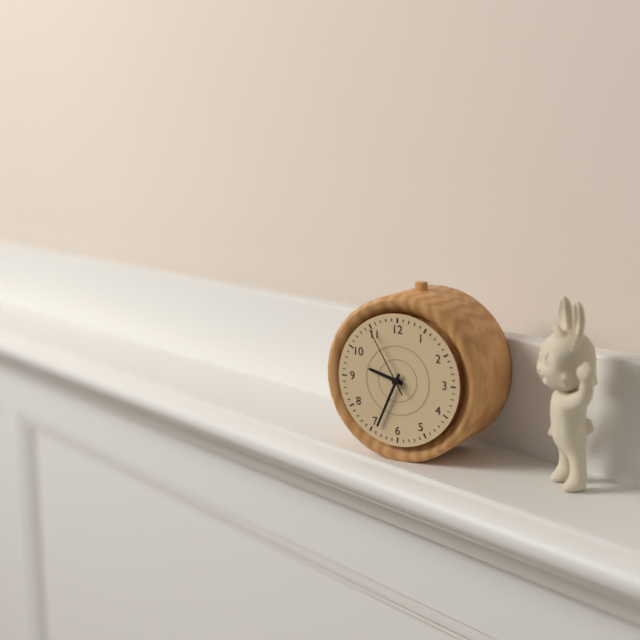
9:34:55
